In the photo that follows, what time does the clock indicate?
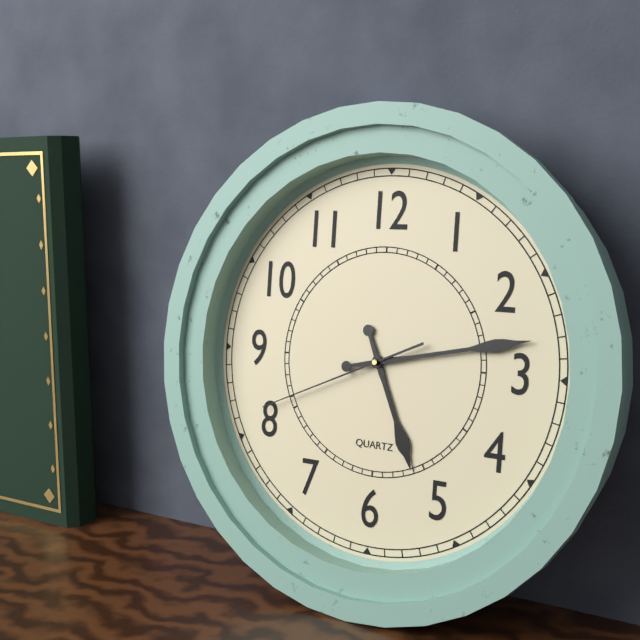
5:13:41
